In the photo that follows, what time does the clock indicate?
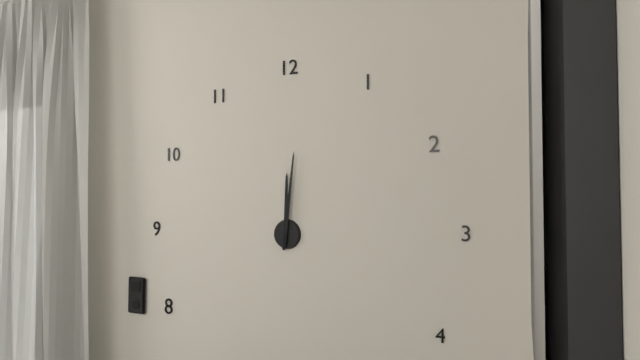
12:01
